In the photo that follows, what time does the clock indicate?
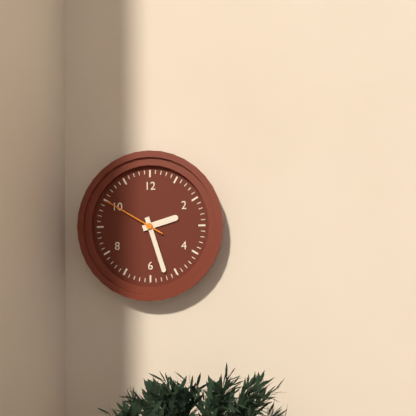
2:27:50
